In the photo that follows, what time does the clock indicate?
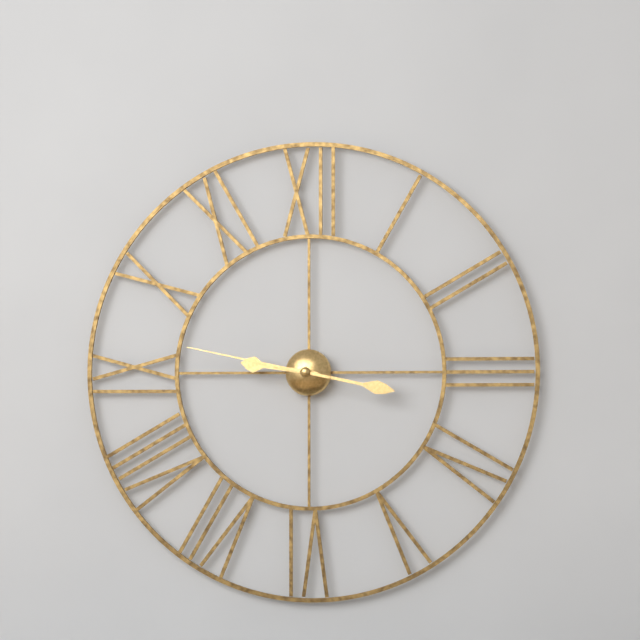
9:17:47
